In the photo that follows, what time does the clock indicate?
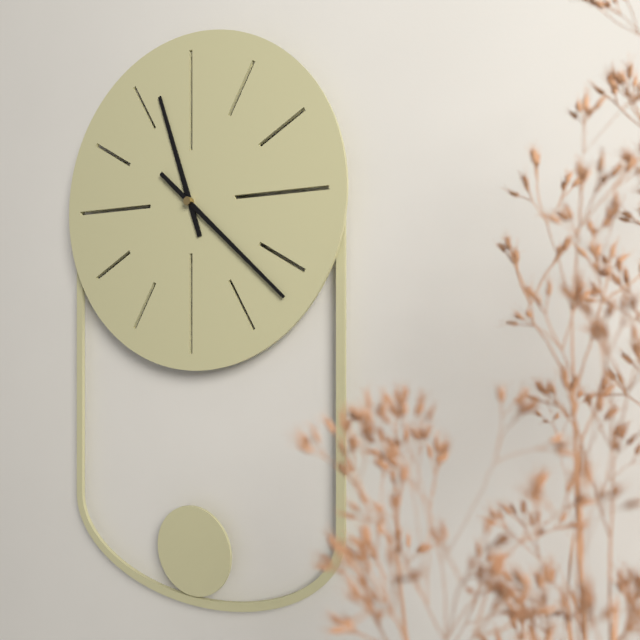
11:22
